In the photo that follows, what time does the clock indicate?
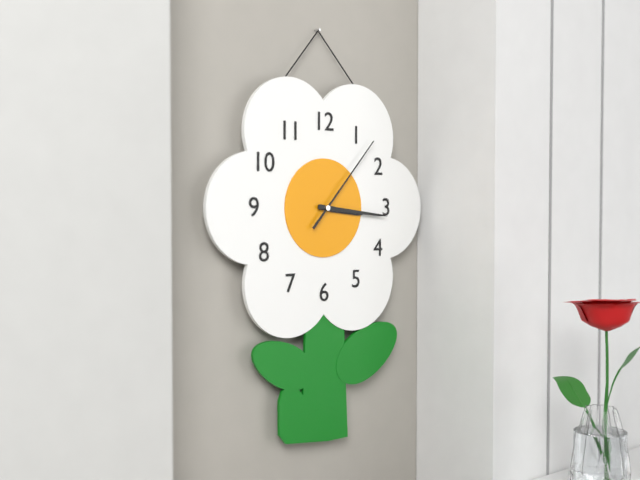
3:16:07
